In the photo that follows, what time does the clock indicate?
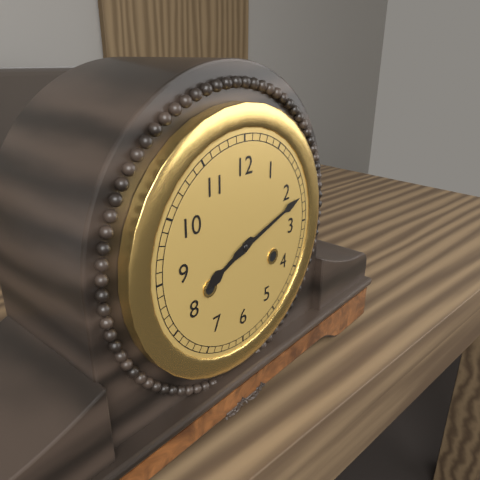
8:12
